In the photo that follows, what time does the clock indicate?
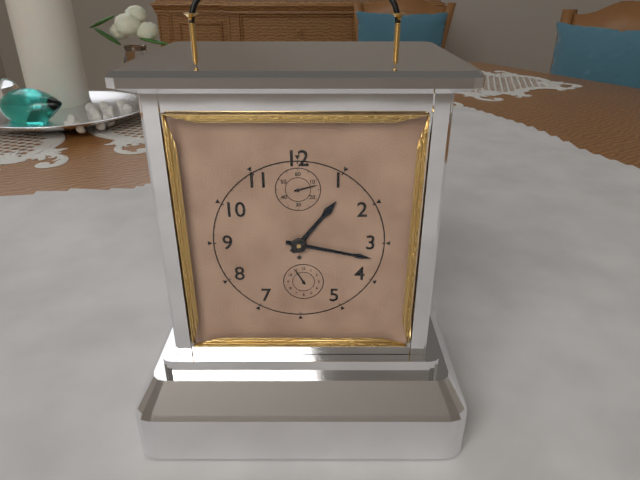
1:17
